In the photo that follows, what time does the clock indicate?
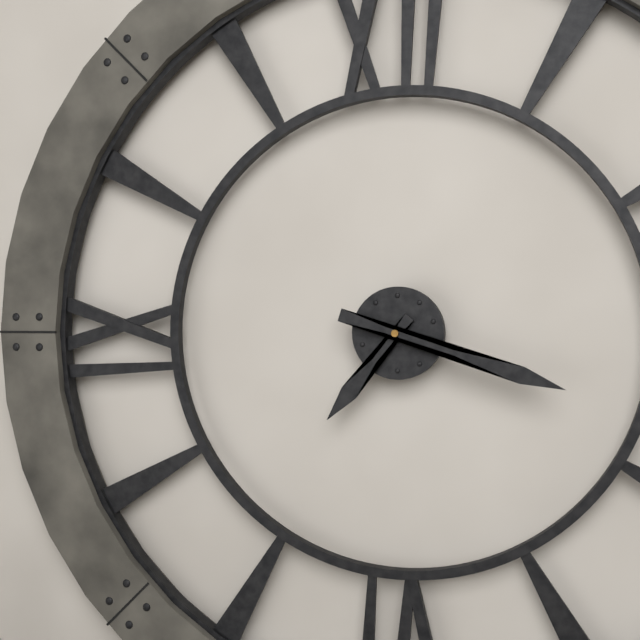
7:18
